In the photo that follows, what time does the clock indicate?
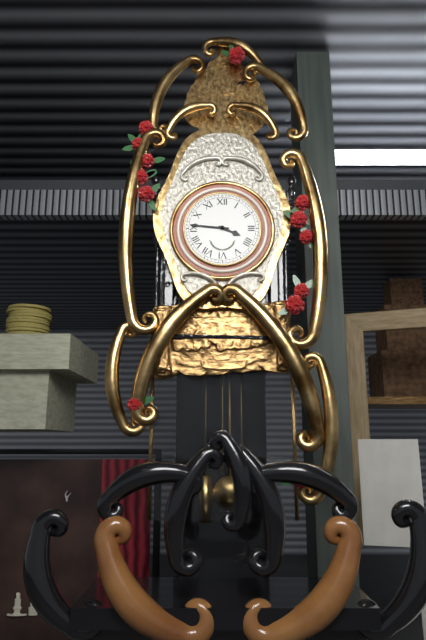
3:46
